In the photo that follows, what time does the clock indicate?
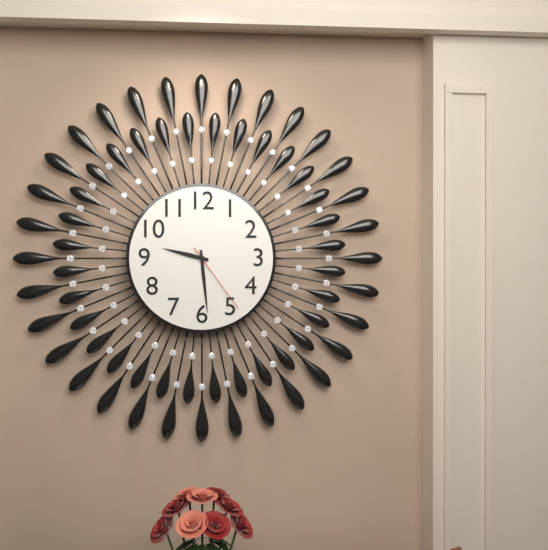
9:29:24
